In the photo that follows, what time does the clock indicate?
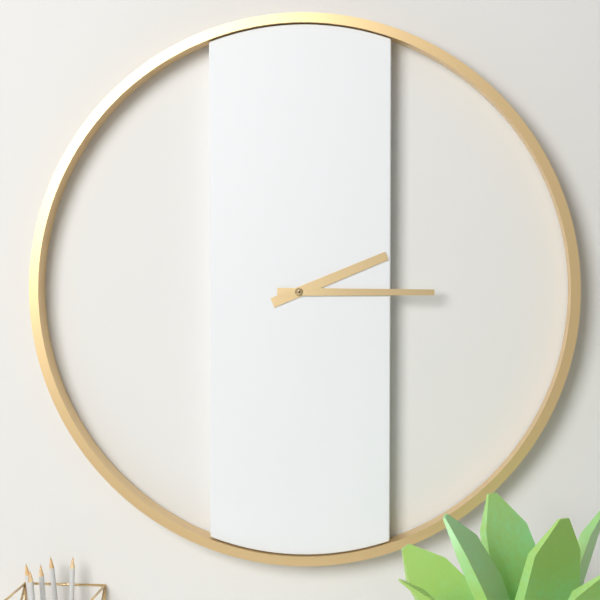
2:15
